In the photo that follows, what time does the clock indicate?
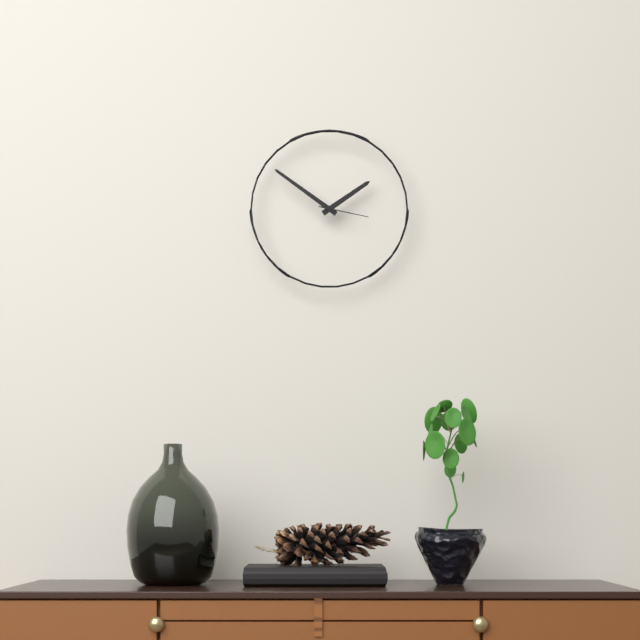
1:51:17
